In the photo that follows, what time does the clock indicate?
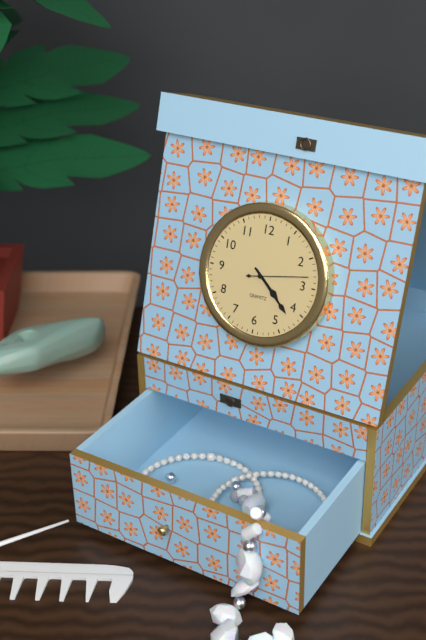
4:22:13
